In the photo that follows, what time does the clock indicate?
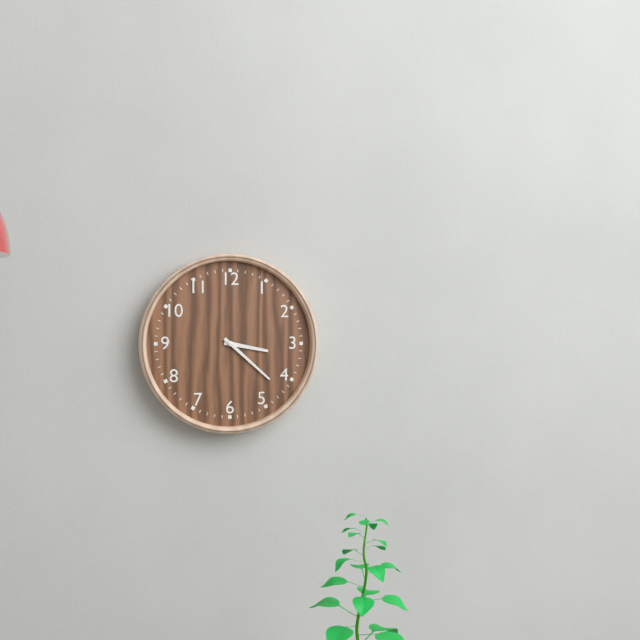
3:22
